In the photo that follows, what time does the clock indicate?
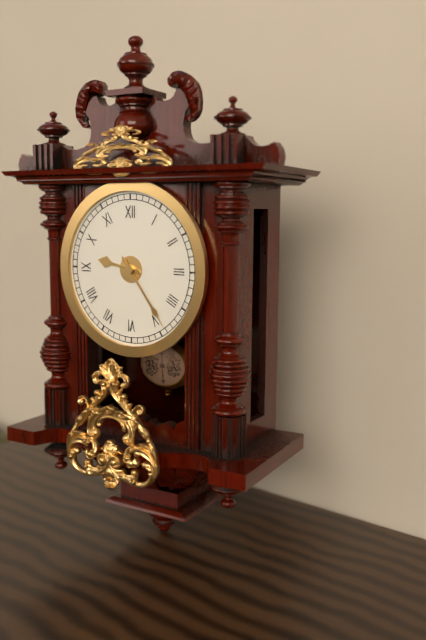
9:24
